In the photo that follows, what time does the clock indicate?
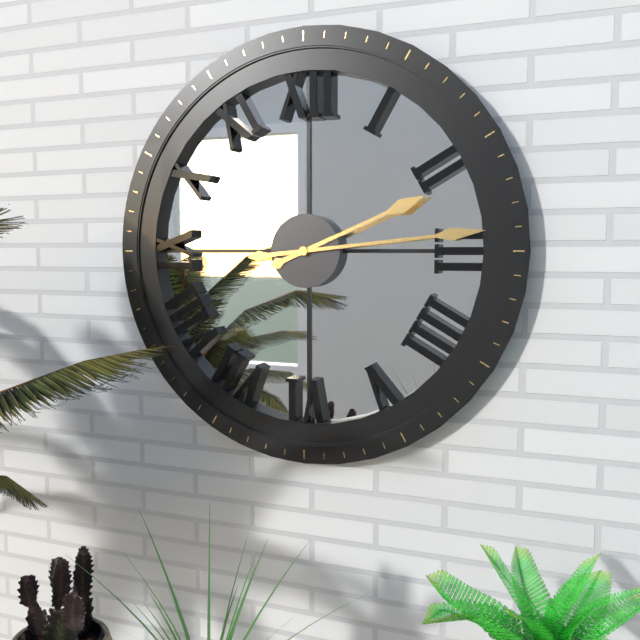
2:14
